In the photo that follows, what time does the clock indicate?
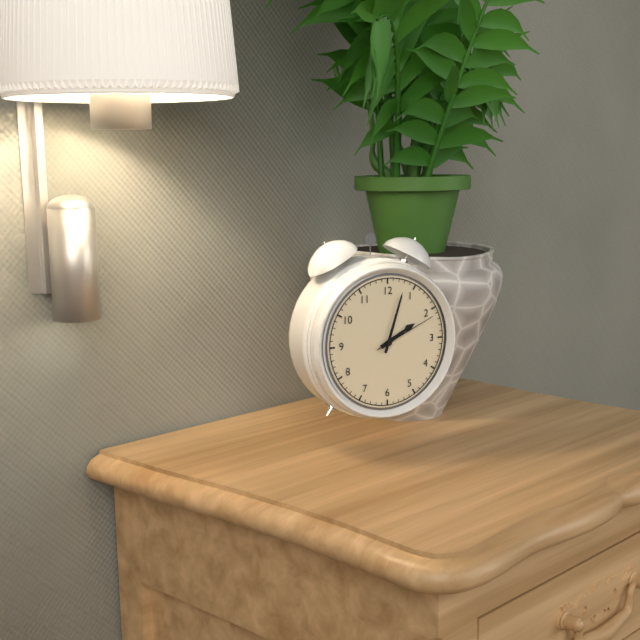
2:03:11
